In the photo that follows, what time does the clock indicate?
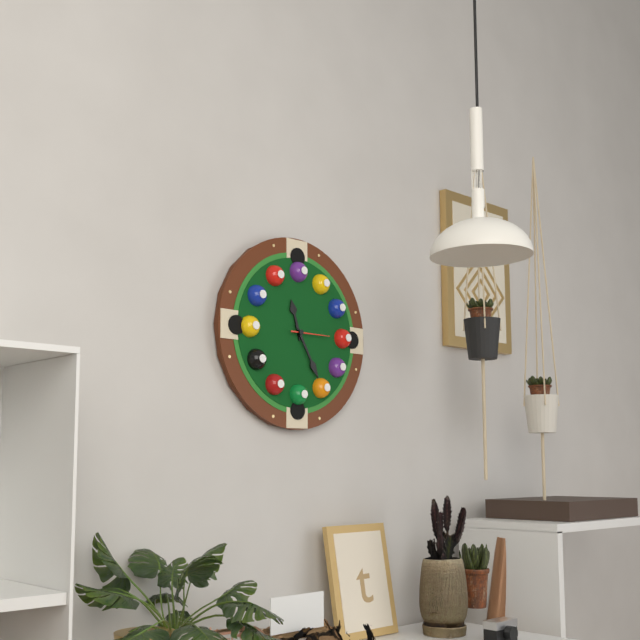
11:25
